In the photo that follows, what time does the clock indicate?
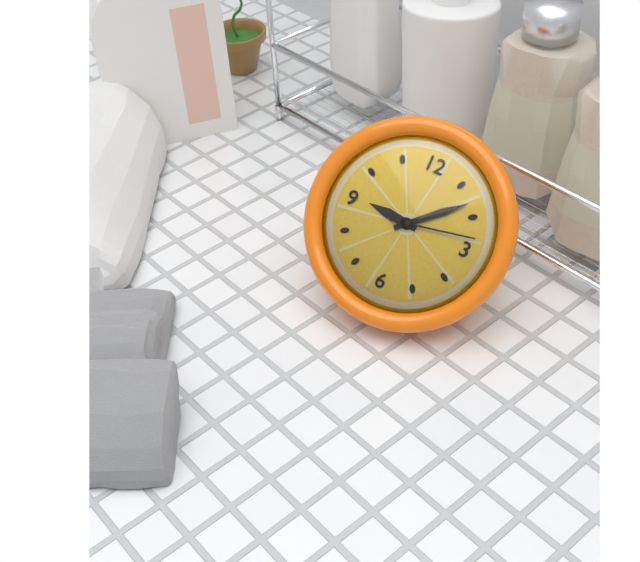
9:08:13
